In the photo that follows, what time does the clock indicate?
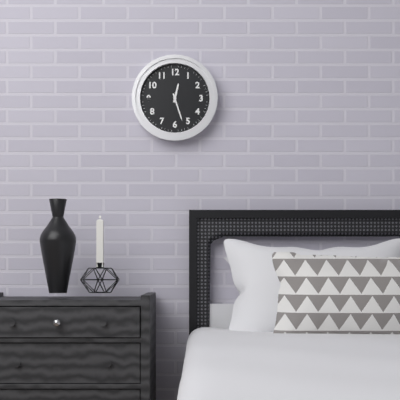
12:27
